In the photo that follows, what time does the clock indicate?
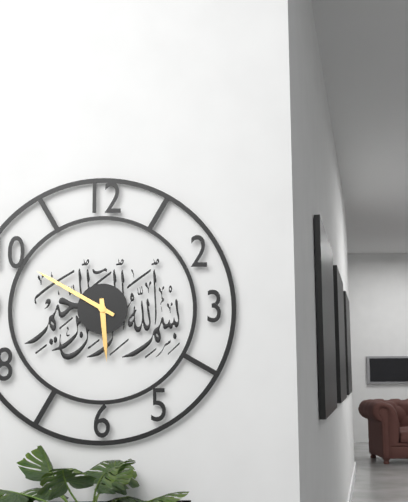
5:50
